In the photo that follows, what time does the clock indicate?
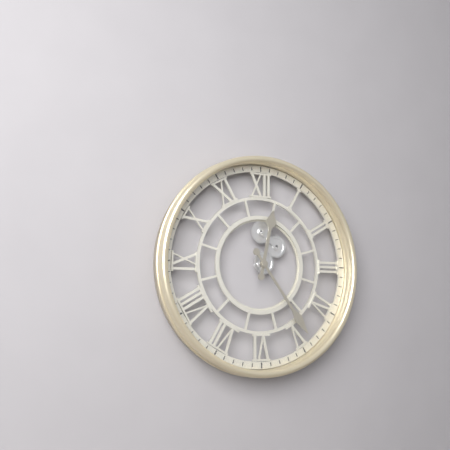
12:24
